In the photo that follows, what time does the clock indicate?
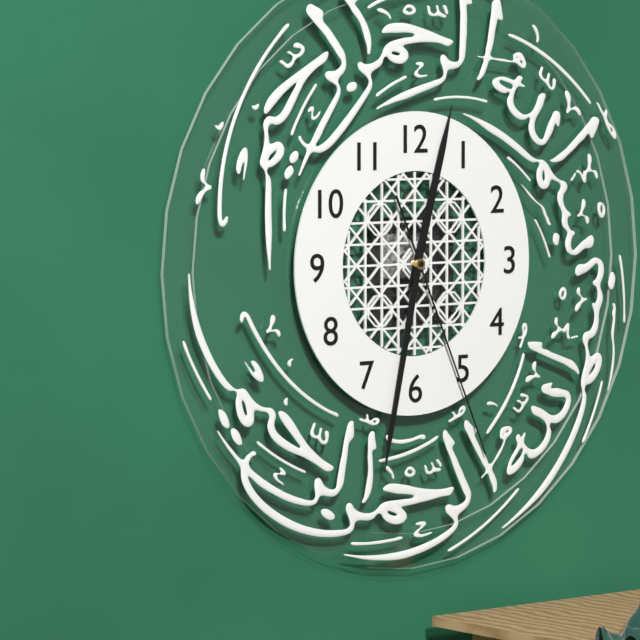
12:32:26
